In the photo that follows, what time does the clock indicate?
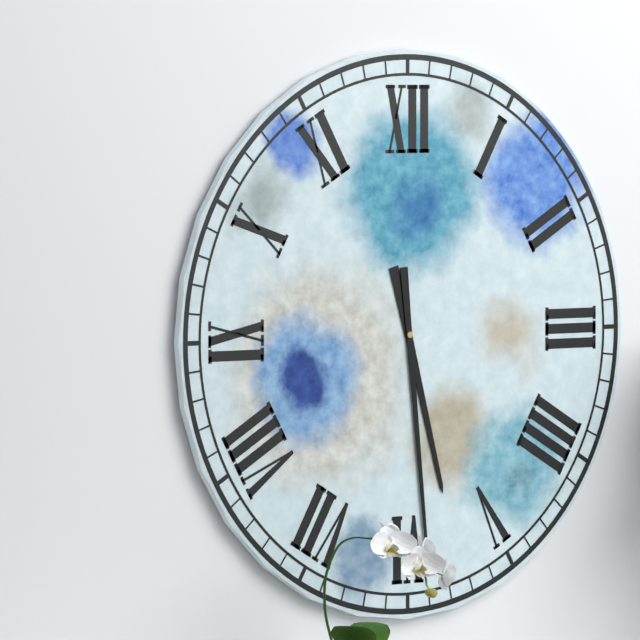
5:29
